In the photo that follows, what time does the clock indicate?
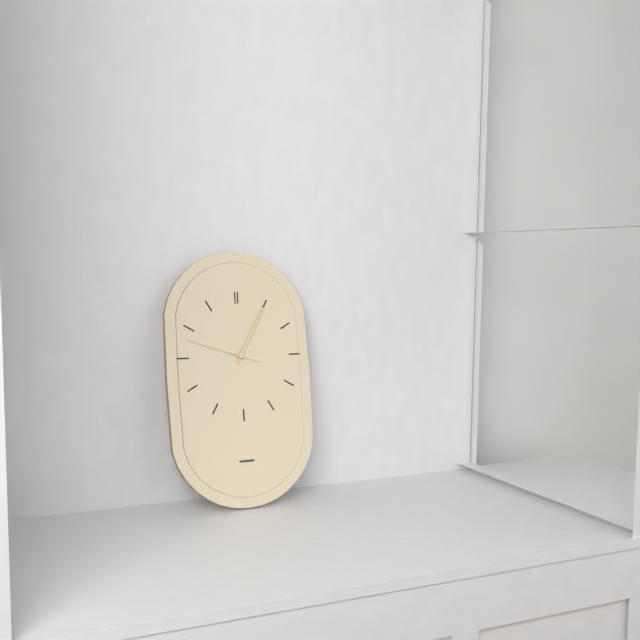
1:05:48
